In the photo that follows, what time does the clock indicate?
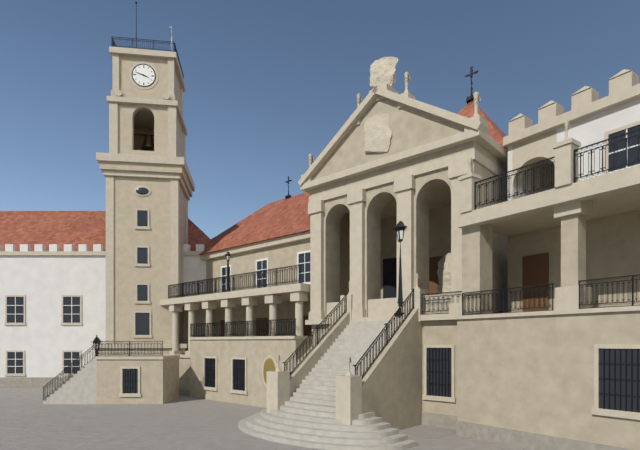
3:48
